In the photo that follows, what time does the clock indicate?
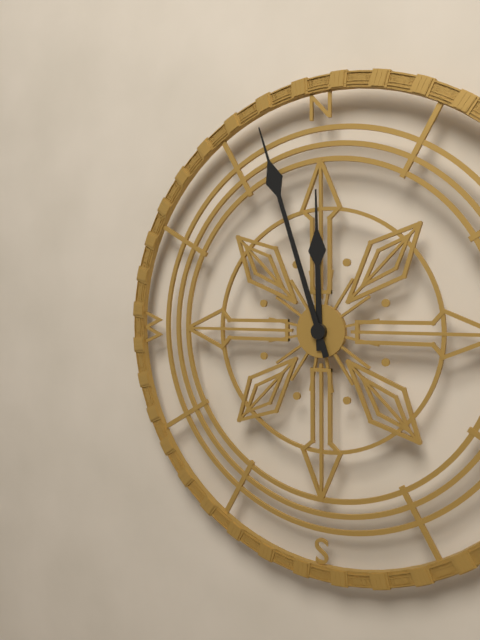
11:57
